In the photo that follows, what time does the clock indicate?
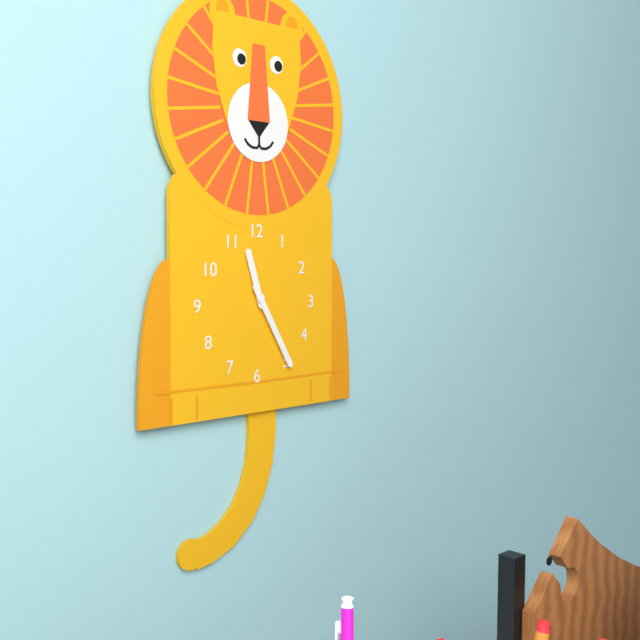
11:25
